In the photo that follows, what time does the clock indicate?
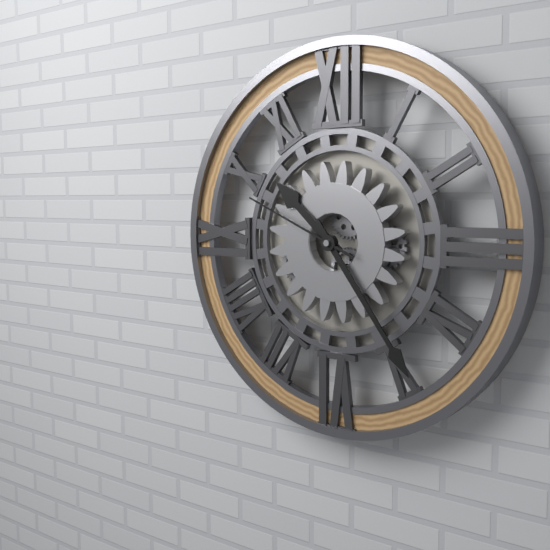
10:24:49
